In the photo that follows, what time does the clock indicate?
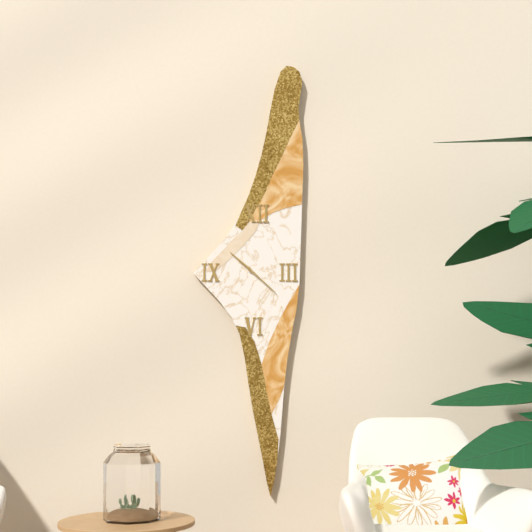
10:22
